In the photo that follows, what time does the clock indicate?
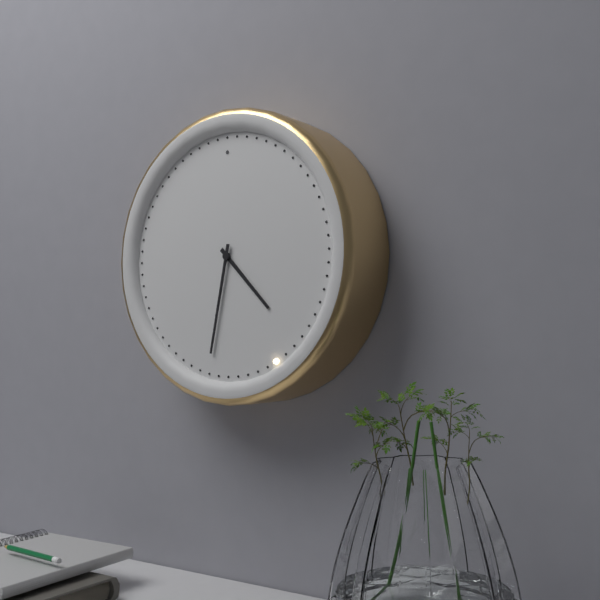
4:32
